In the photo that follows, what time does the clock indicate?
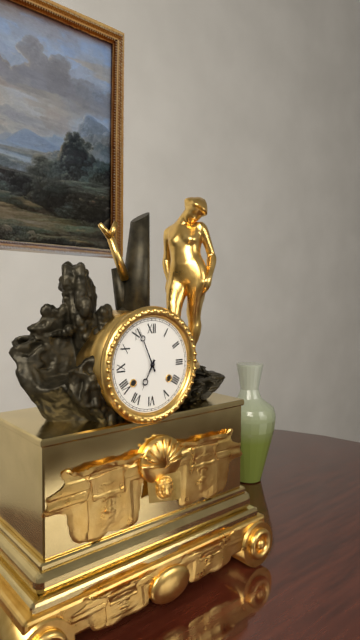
6:56
